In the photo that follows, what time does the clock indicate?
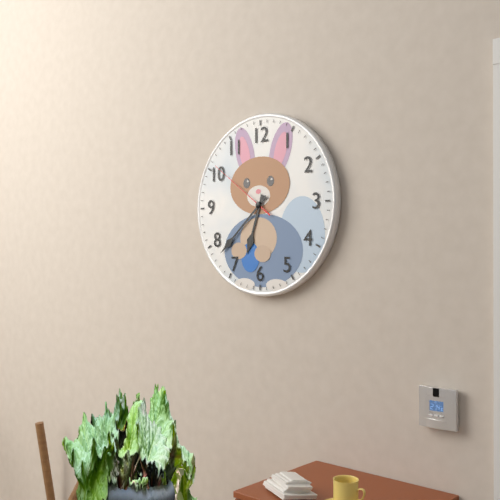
6:38:51
